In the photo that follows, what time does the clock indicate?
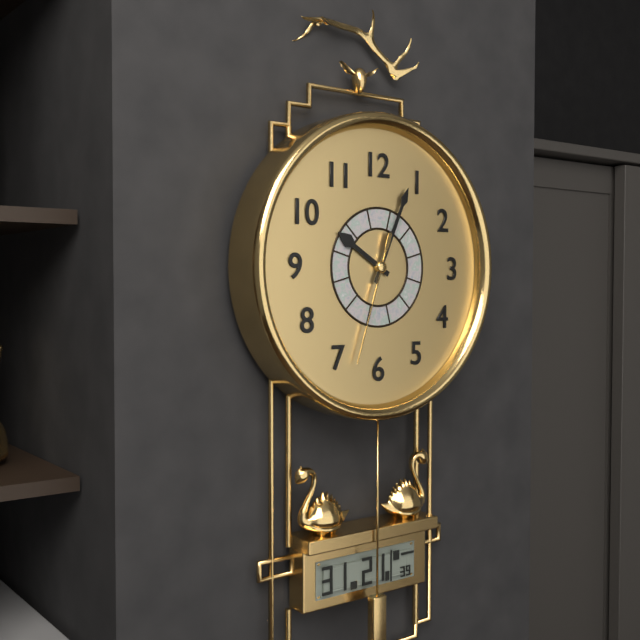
10:04:33
